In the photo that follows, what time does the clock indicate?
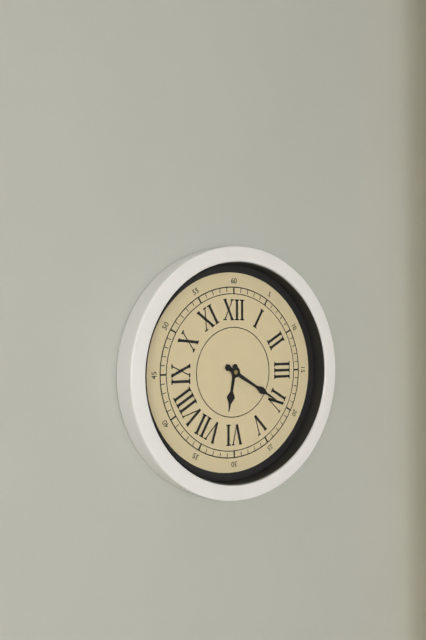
6:20
